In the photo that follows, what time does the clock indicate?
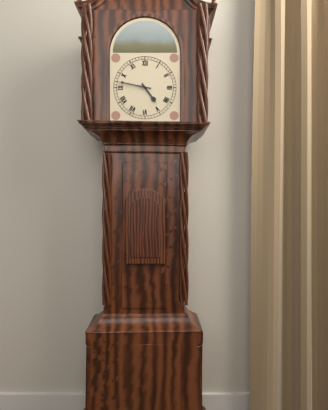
4:47
